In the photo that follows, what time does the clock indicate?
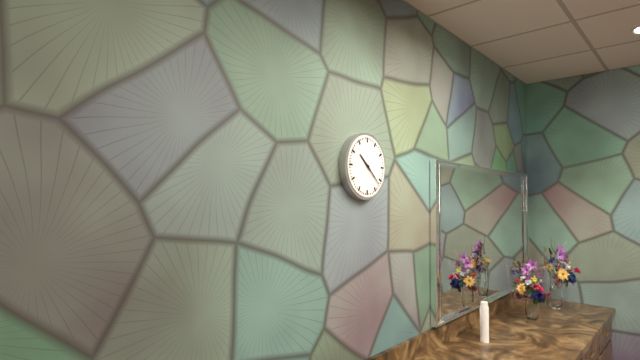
10:22
